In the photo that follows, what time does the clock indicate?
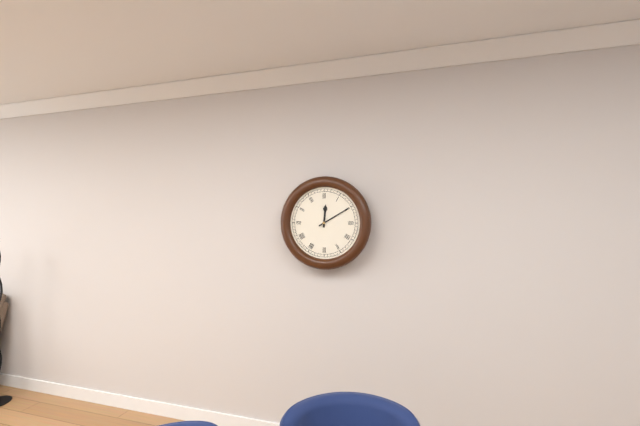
12:10
